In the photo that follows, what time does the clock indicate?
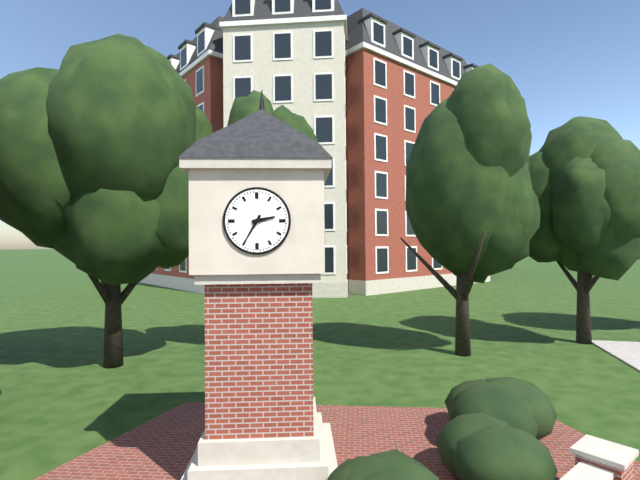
2:35
